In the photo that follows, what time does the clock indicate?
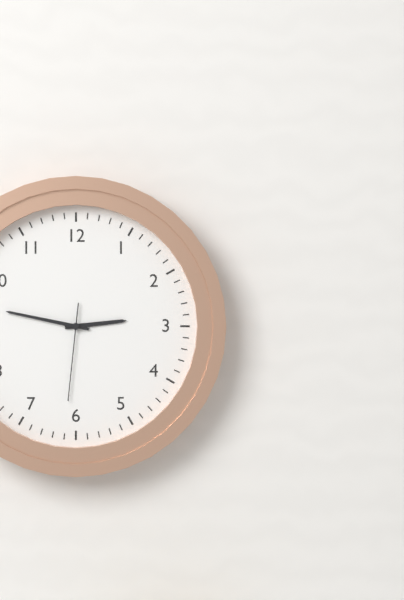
2:47:31
